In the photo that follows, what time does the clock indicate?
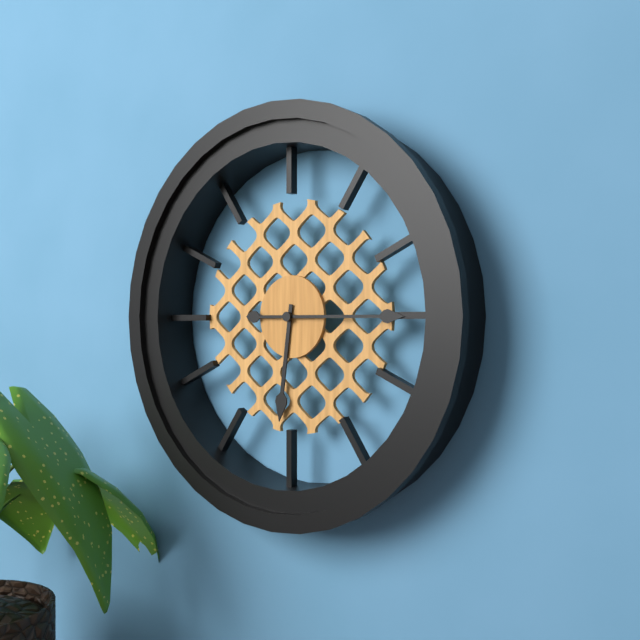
6:15
